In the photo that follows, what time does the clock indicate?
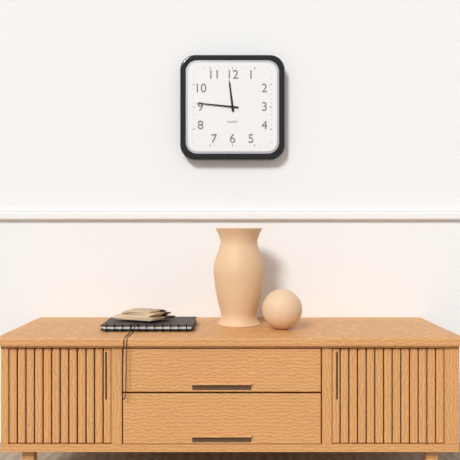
11:46
